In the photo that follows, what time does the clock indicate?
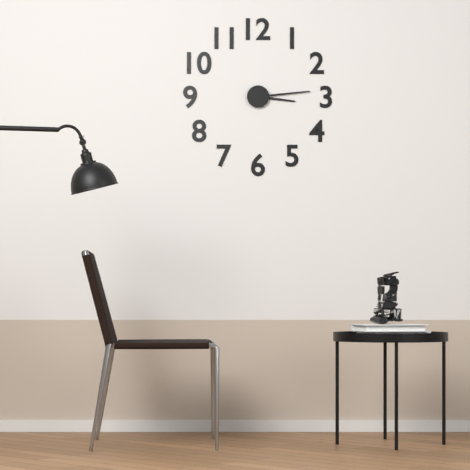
3:14
